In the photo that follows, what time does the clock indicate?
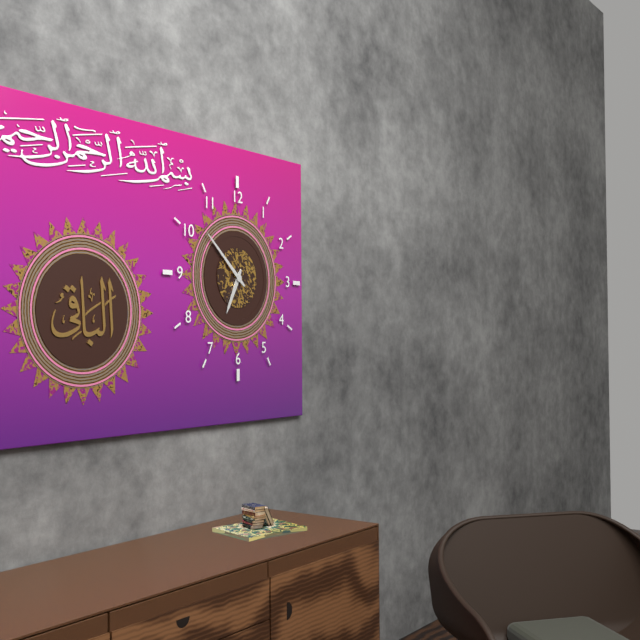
6:52
